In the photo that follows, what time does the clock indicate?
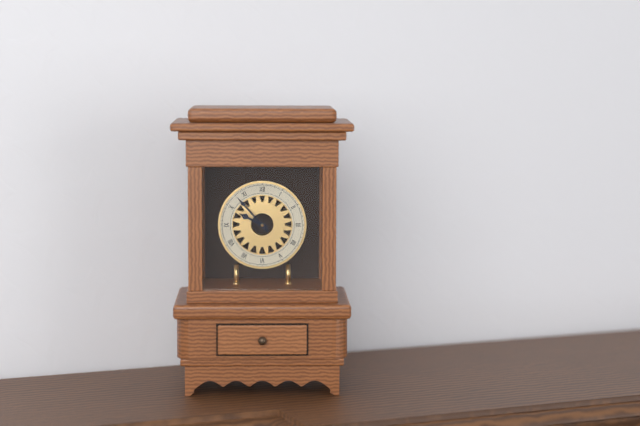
9:53
